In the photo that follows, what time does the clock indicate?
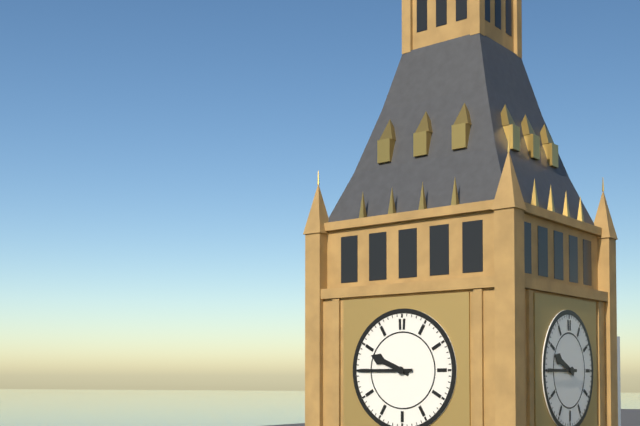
9:45
